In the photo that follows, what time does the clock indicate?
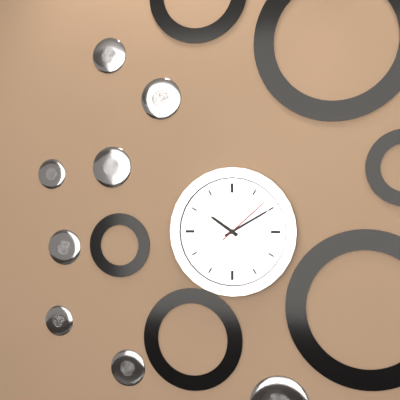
10:10:08
